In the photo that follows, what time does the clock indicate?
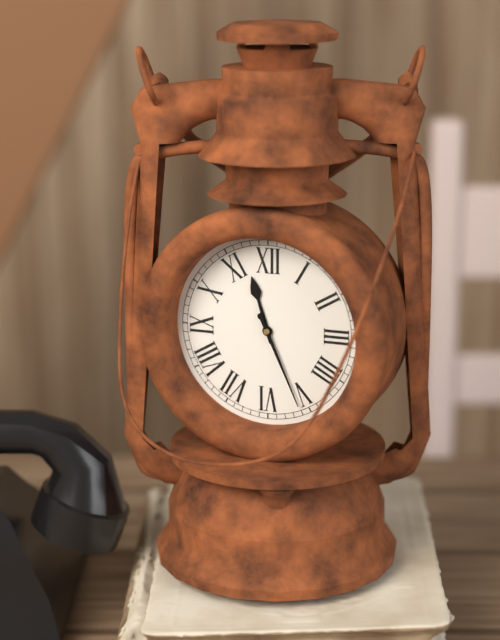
11:26
